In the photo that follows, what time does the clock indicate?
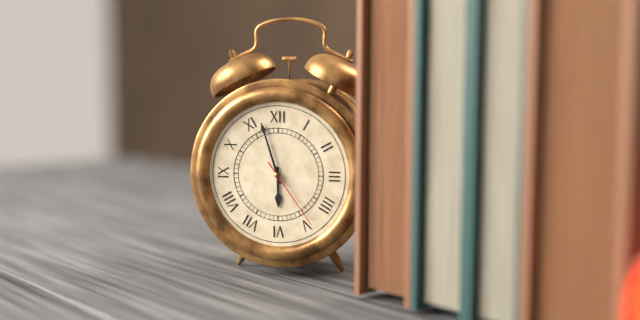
5:57:24
